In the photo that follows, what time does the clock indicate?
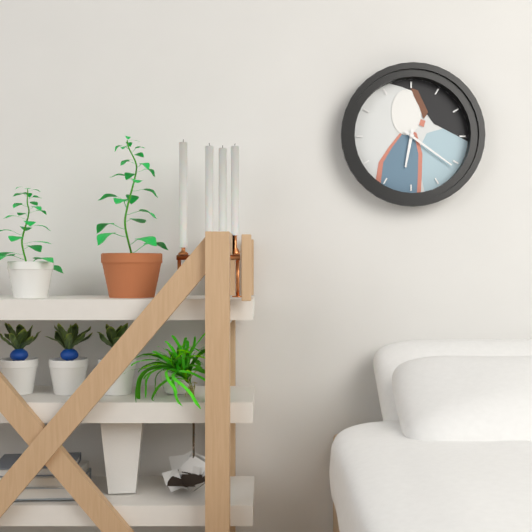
6:21
